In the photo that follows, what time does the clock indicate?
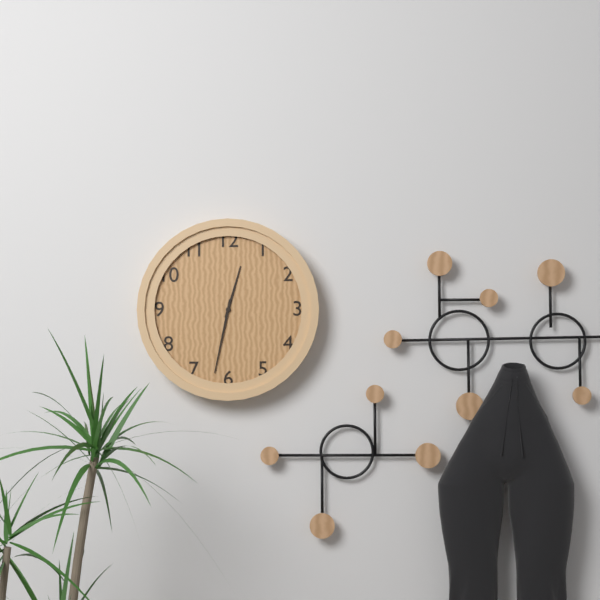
12:32
